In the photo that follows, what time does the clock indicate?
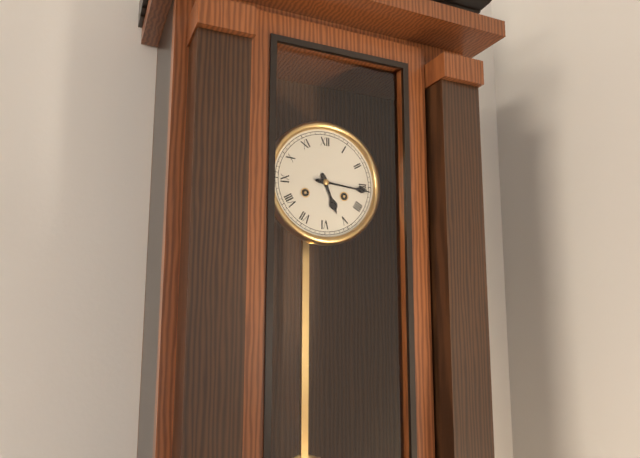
5:16
